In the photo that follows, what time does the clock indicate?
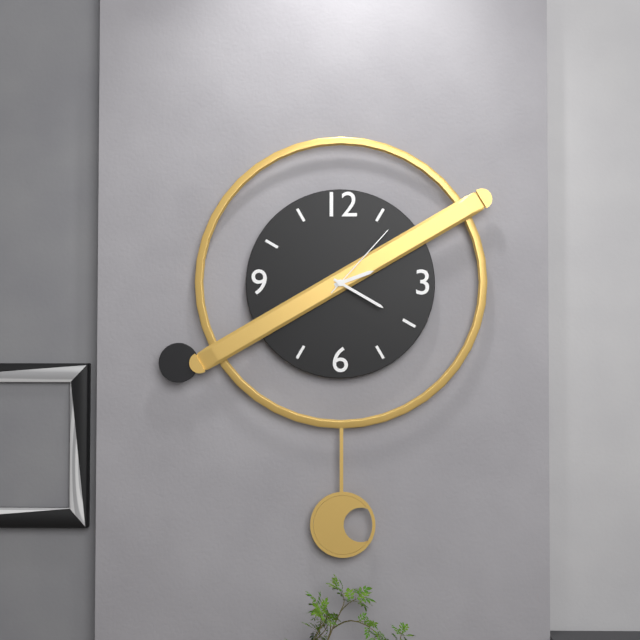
2:20:07
